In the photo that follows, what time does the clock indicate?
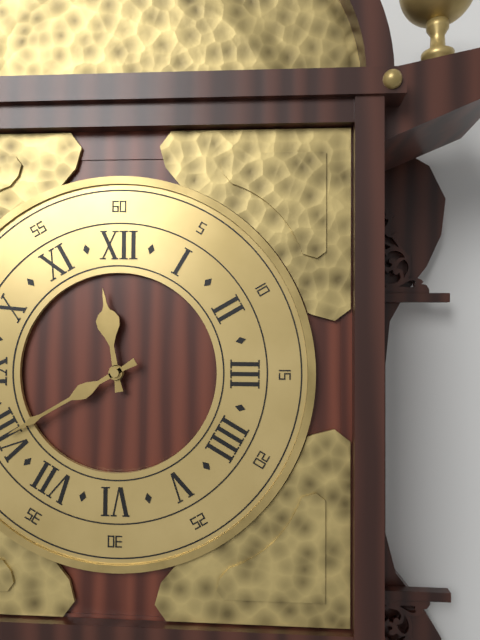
11:40
